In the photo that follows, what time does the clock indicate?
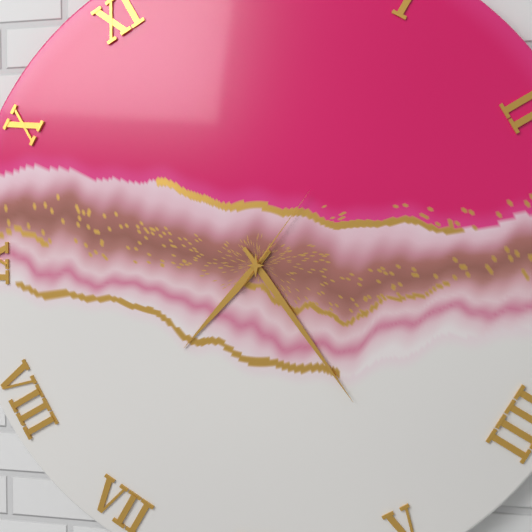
7:24:06
